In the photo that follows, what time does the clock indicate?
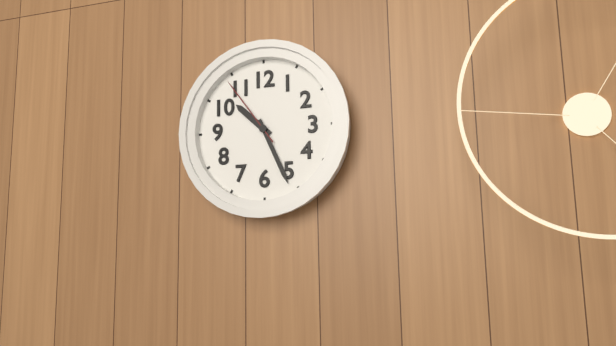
10:26:54
